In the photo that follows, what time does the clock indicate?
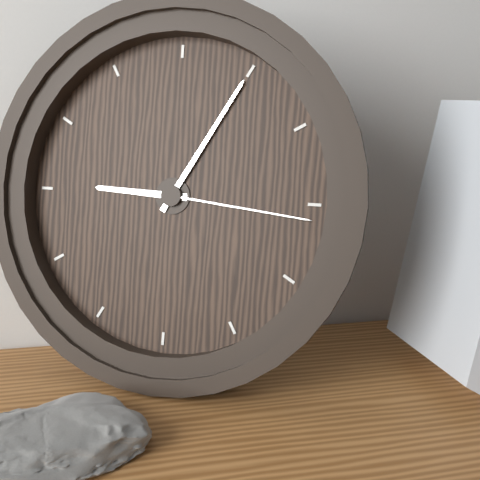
9:05:16
